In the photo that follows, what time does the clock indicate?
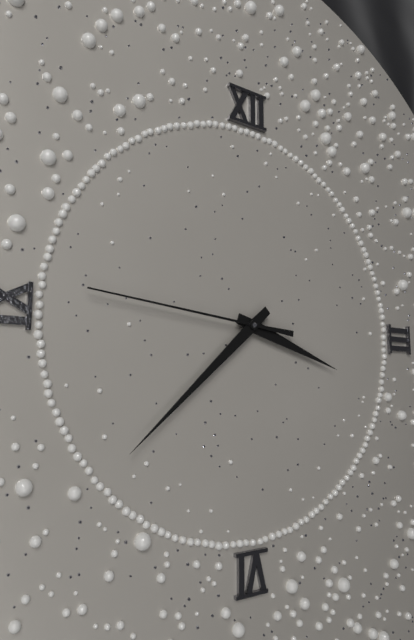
3:38:46
